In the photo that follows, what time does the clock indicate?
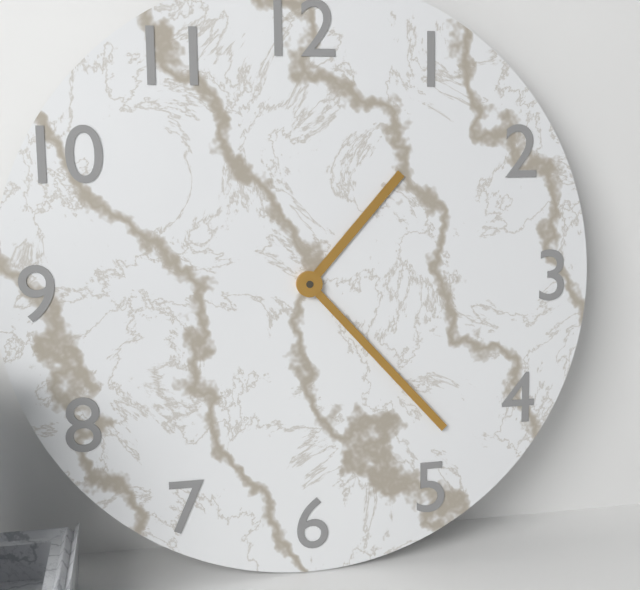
1:23
